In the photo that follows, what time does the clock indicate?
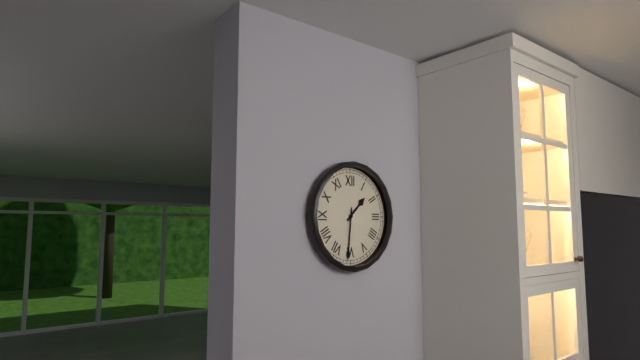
1:31
